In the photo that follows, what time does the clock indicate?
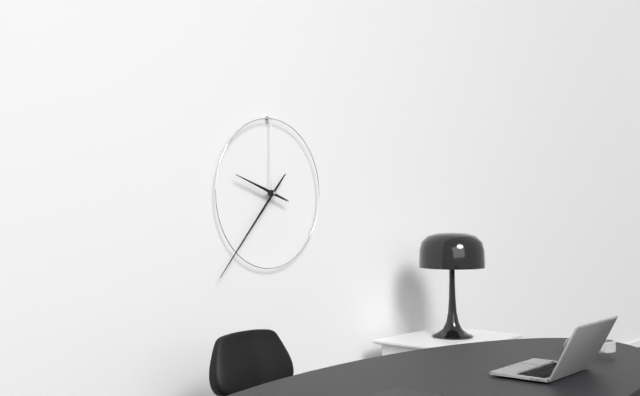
9:37
